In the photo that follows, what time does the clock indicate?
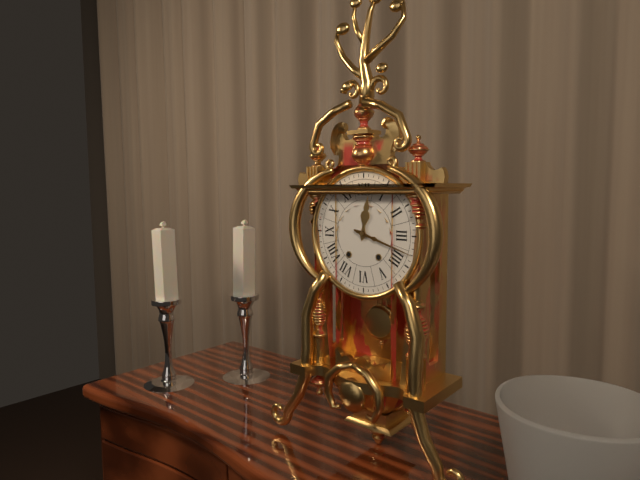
12:18
